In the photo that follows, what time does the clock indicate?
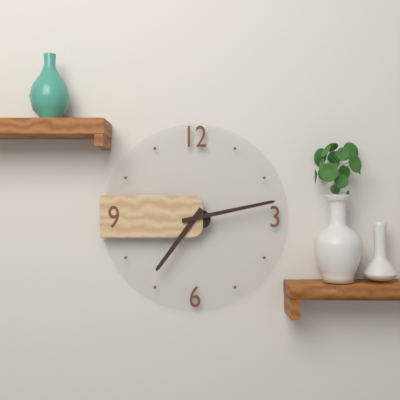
7:13
